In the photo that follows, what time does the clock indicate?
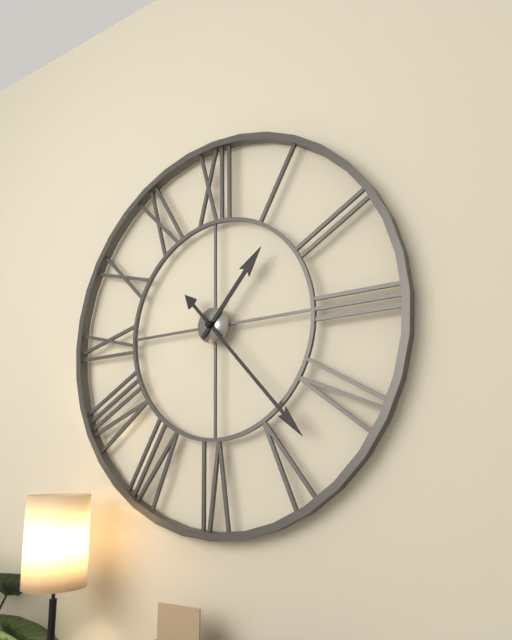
1:23
